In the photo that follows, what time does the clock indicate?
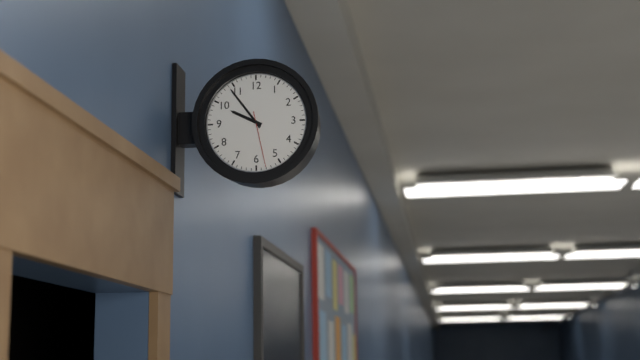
9:54:28
